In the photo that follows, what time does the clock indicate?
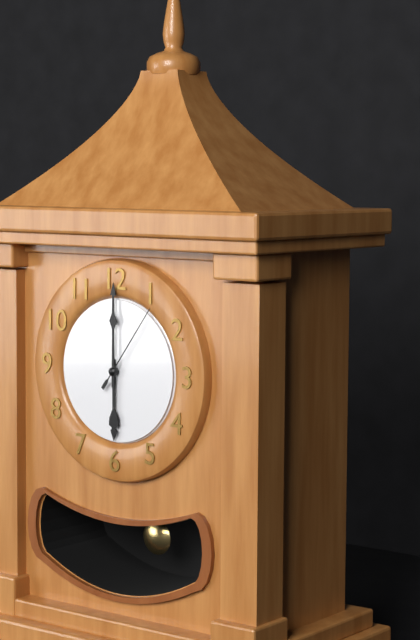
6:00:06
